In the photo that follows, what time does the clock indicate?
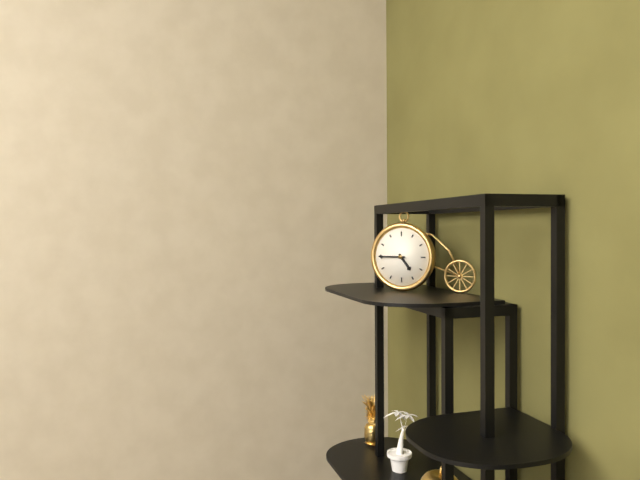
4:45
